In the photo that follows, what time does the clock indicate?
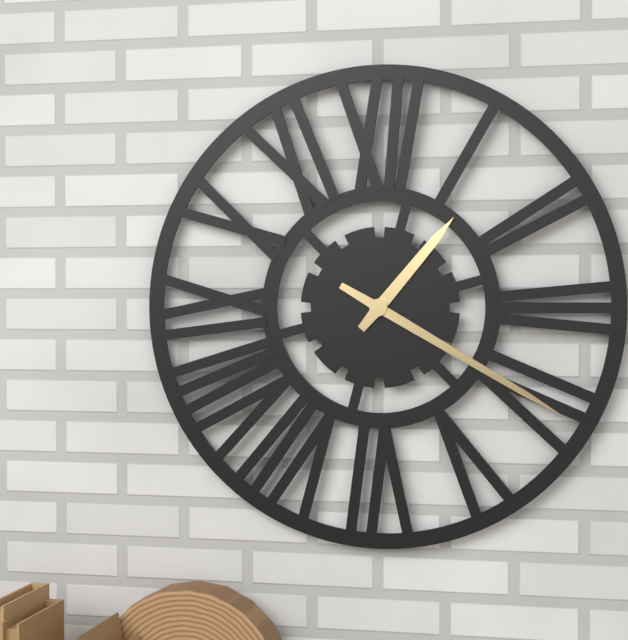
1:20
